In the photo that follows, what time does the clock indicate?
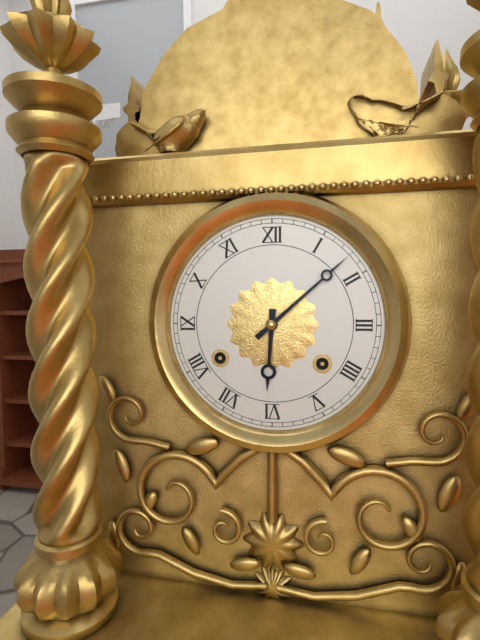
6:08
